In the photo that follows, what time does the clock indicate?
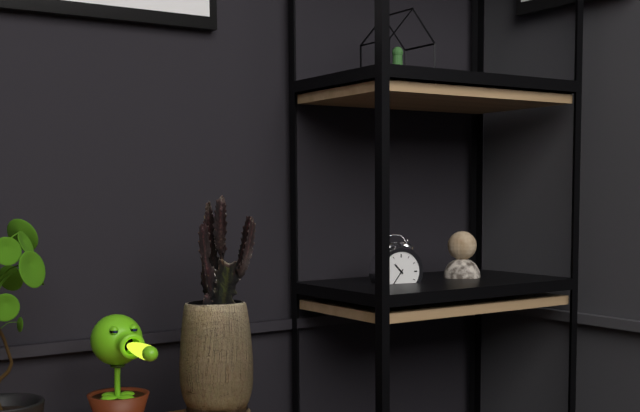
10:36
